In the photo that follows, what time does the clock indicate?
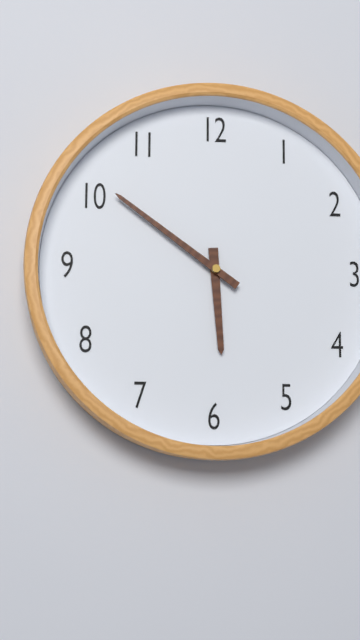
5:51
